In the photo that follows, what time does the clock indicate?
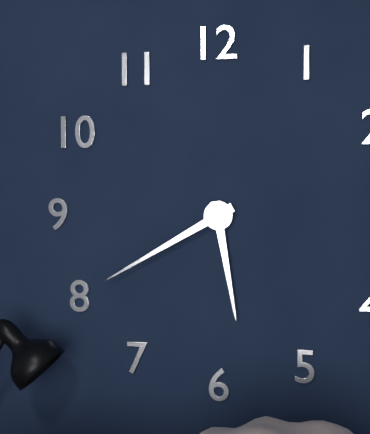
5:40
